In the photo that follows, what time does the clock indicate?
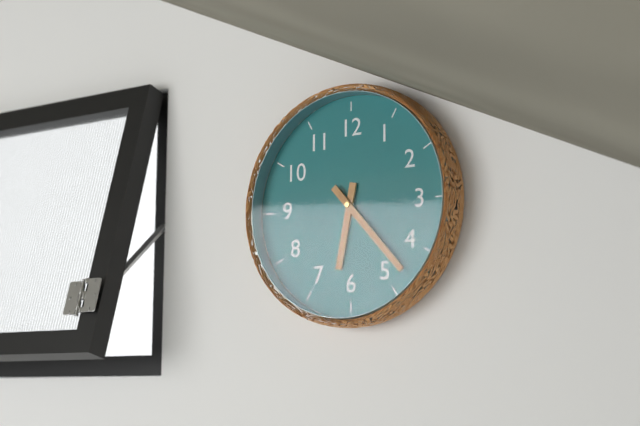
6:23
